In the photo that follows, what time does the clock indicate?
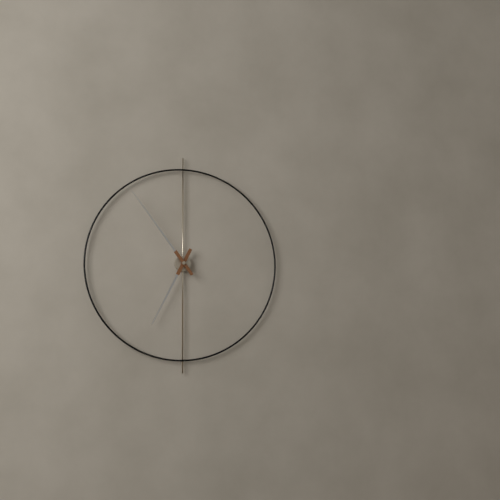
6:54
